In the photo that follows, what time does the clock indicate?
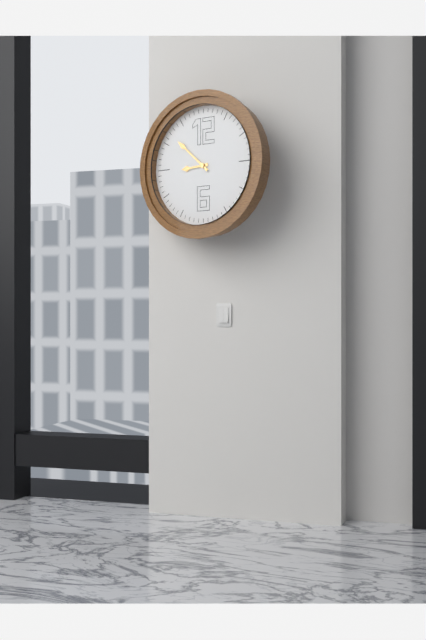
8:52
